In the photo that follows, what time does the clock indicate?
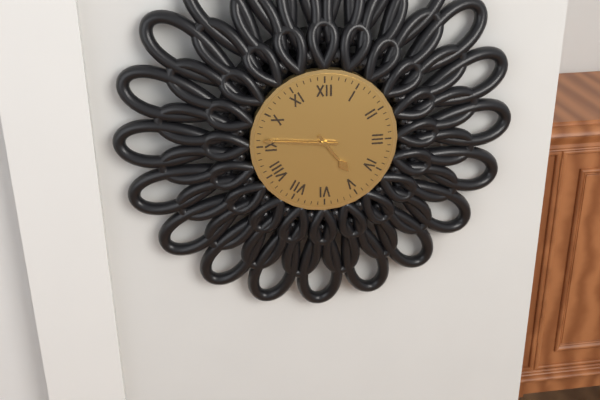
4:46
